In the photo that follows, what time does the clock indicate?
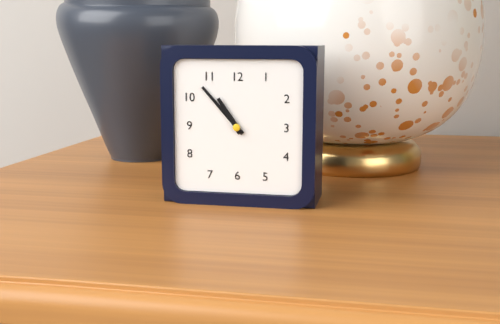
10:53
